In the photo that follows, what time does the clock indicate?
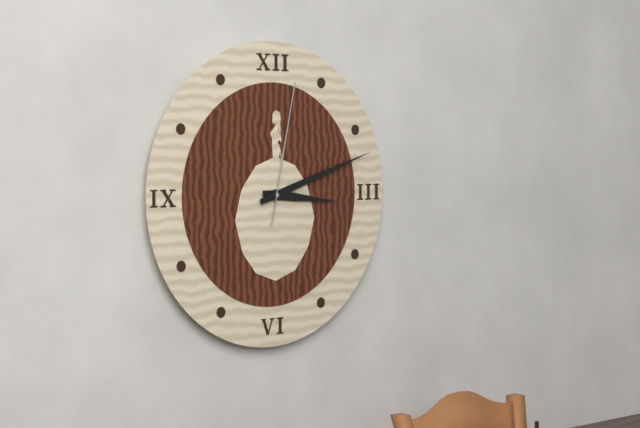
3:12:02
